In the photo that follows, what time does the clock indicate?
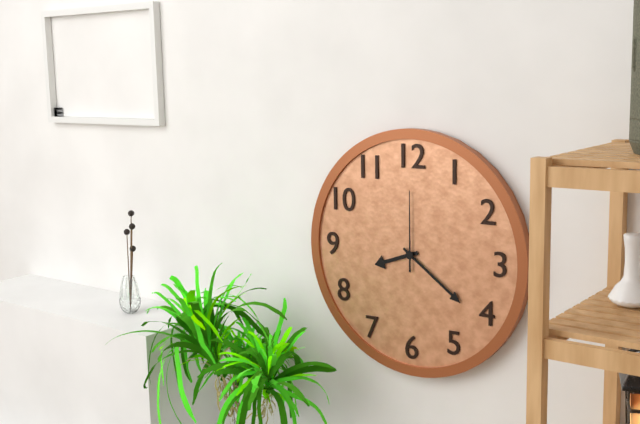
8:21:00
